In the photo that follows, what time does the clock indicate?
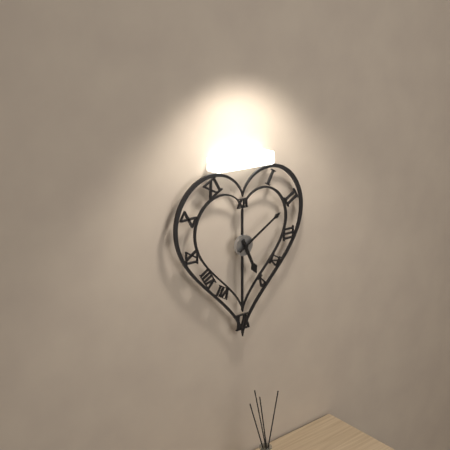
5:10
